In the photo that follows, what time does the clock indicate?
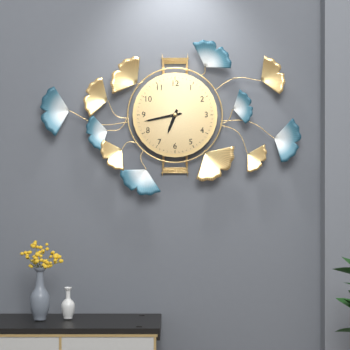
6:43
